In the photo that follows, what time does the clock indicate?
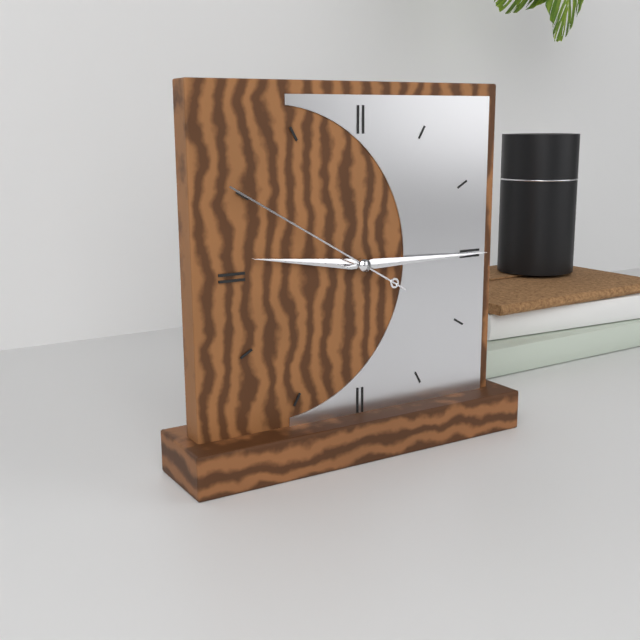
9:15:50
